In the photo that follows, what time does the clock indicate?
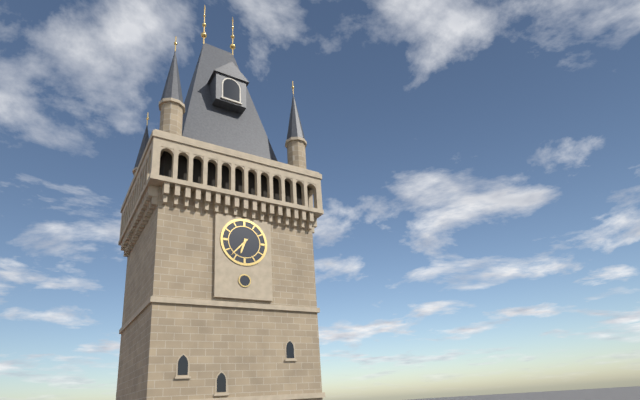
6:37
